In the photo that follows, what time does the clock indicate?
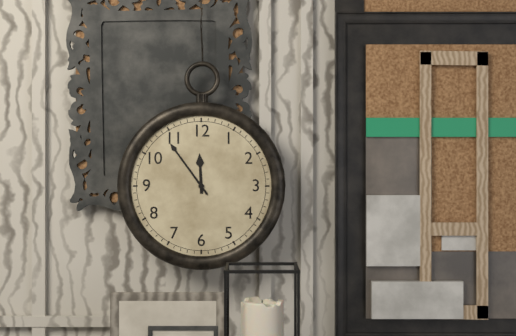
11:54
